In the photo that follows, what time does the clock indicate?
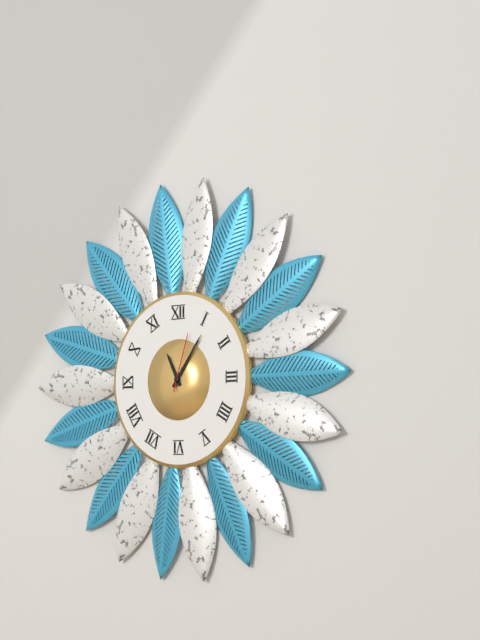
11:06:03
